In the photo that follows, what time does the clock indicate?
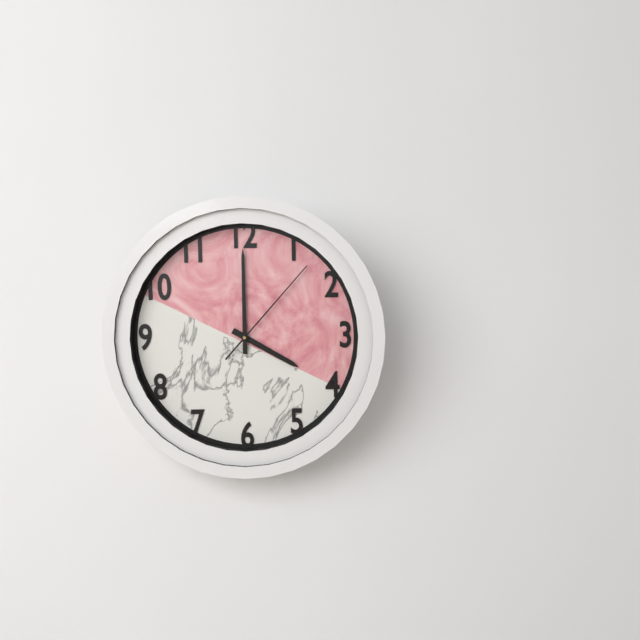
4:00:07
